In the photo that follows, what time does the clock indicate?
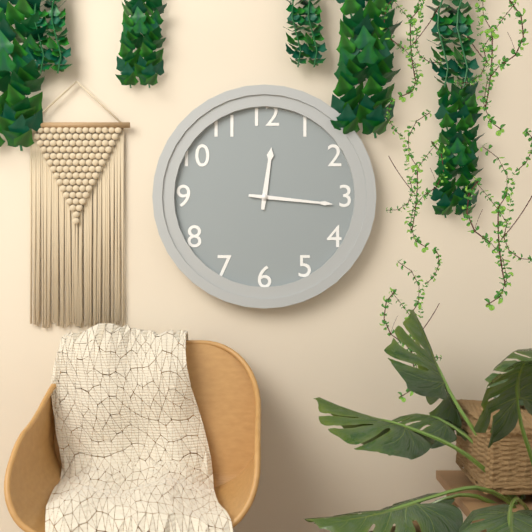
12:16
